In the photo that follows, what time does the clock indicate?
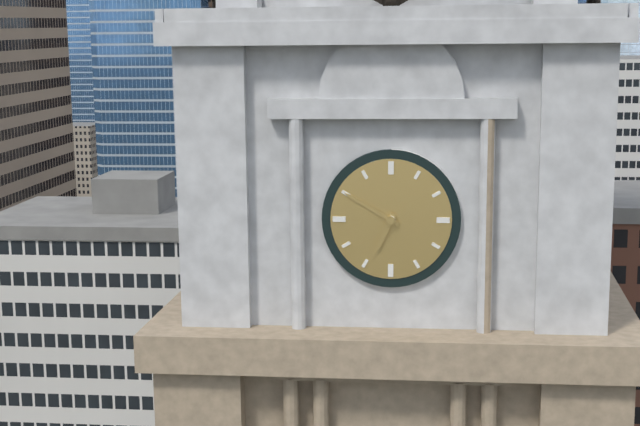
6:50
